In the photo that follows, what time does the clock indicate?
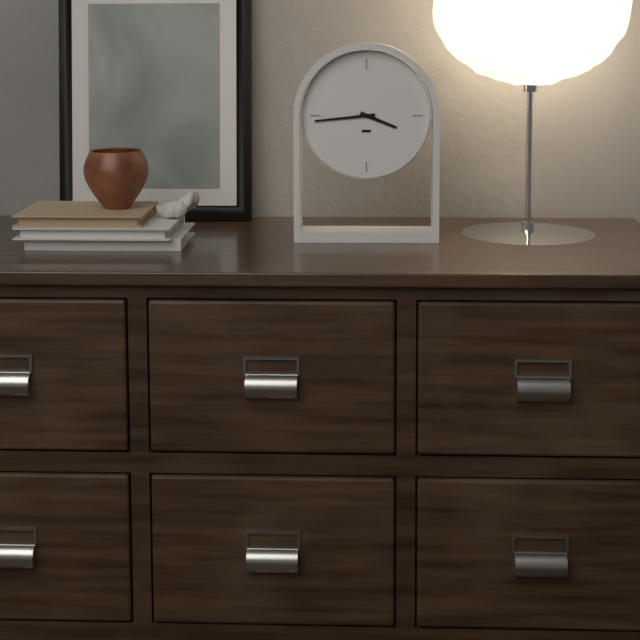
3:44
